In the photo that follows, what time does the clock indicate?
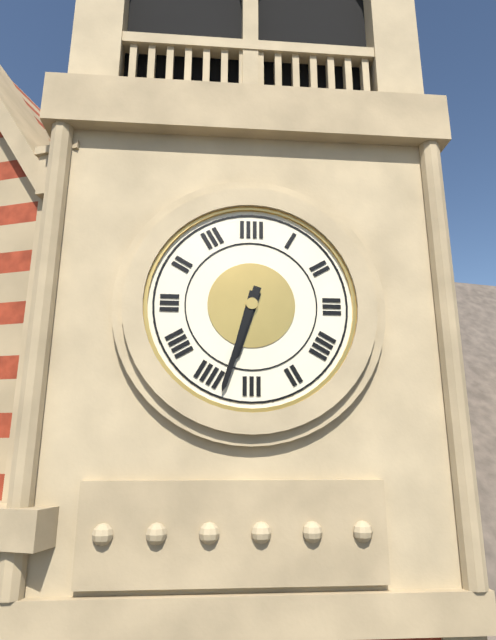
6:33
